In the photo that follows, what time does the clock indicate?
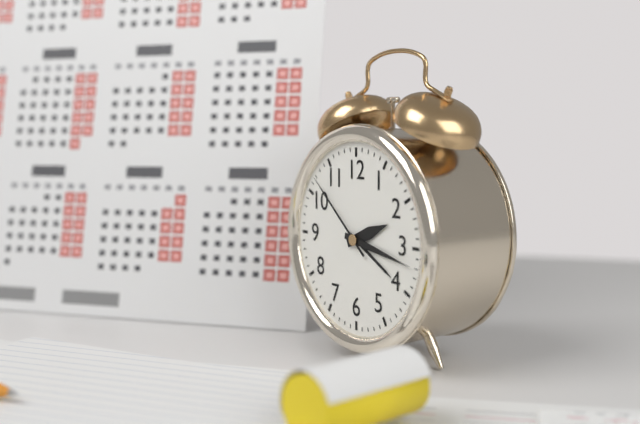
2:17:52
